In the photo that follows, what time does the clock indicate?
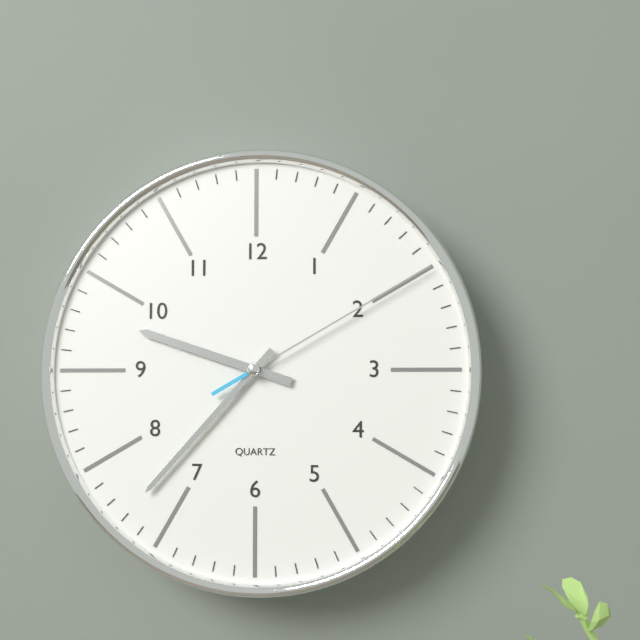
9:37:10
